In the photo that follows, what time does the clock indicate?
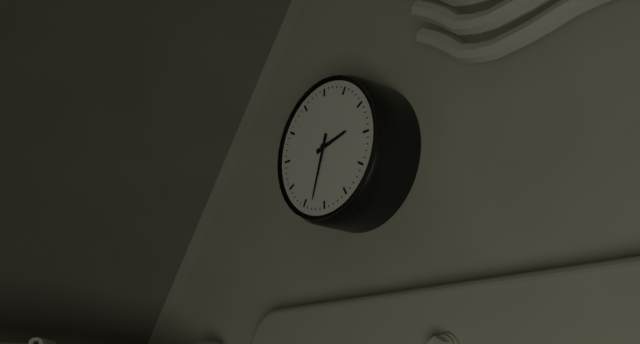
2:33
